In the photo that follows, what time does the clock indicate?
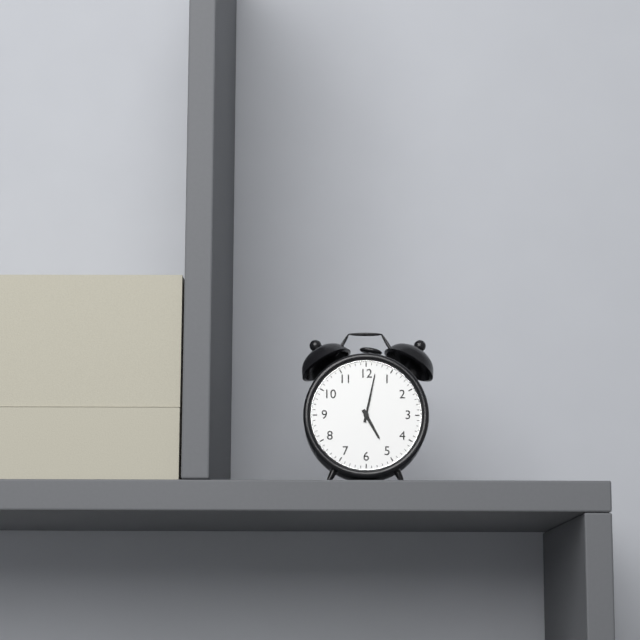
5:02
